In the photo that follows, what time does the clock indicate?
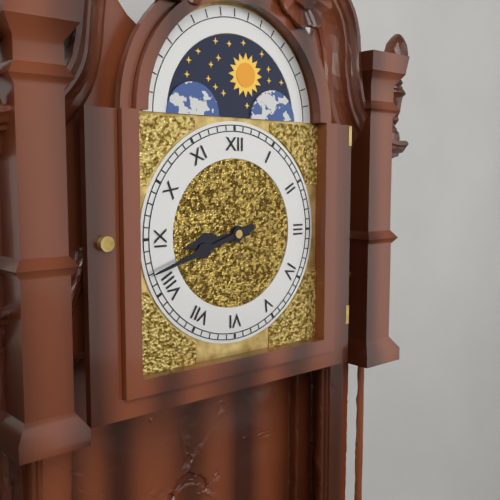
8:42
